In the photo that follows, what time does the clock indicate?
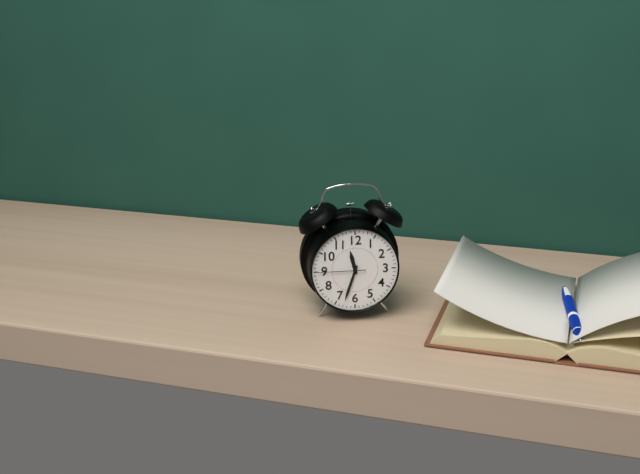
11:33
